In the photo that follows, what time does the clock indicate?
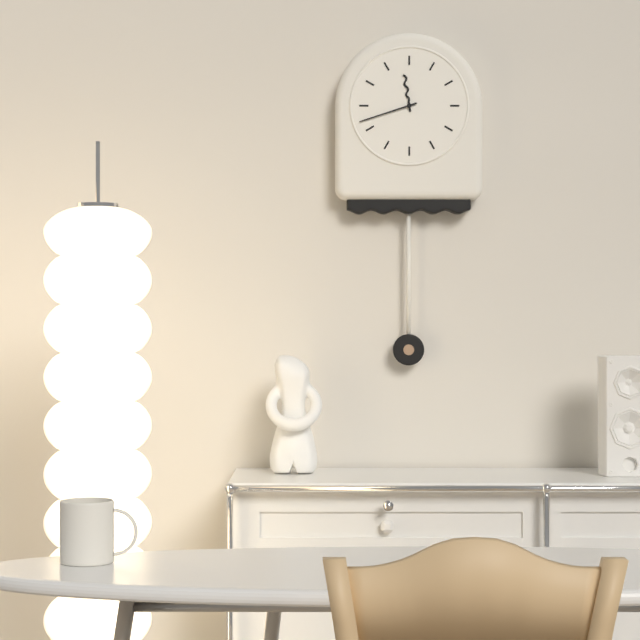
11:42
